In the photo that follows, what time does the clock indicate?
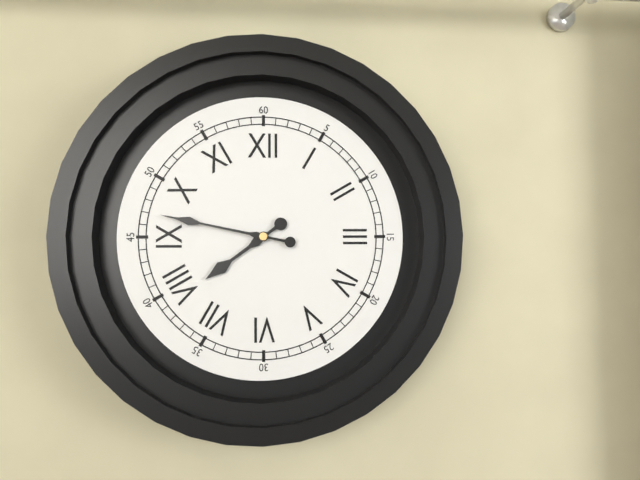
7:47
